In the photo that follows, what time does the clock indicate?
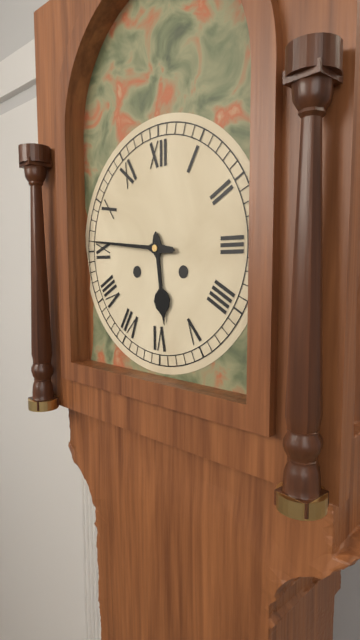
5:46
